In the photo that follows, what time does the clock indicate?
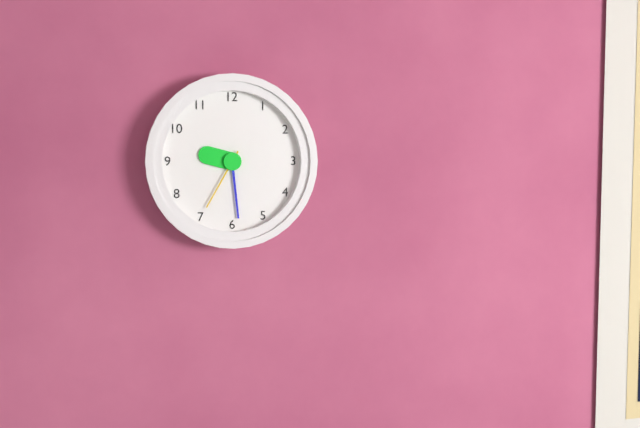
9:29:35
